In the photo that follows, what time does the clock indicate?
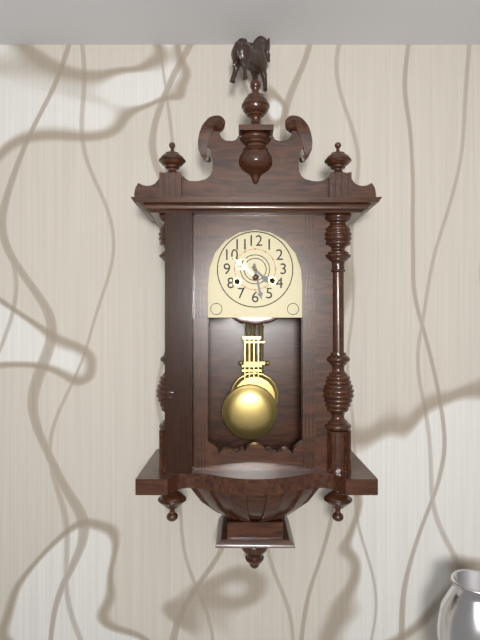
4:28
